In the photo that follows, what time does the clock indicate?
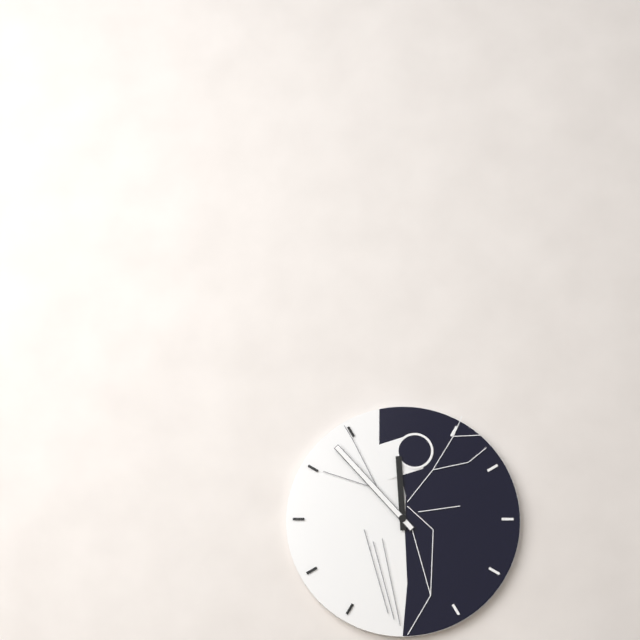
11:53
